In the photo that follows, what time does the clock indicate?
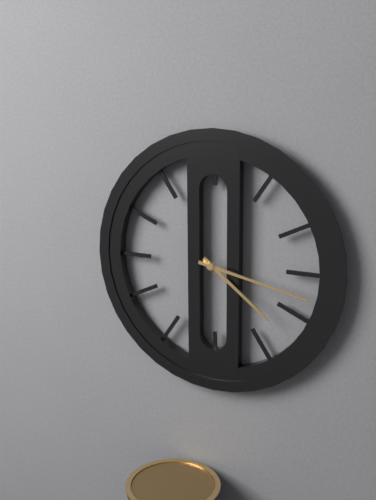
4:17
